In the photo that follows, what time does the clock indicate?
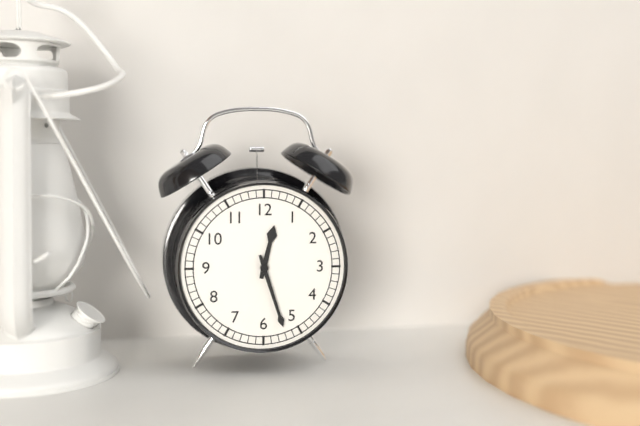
12:27
